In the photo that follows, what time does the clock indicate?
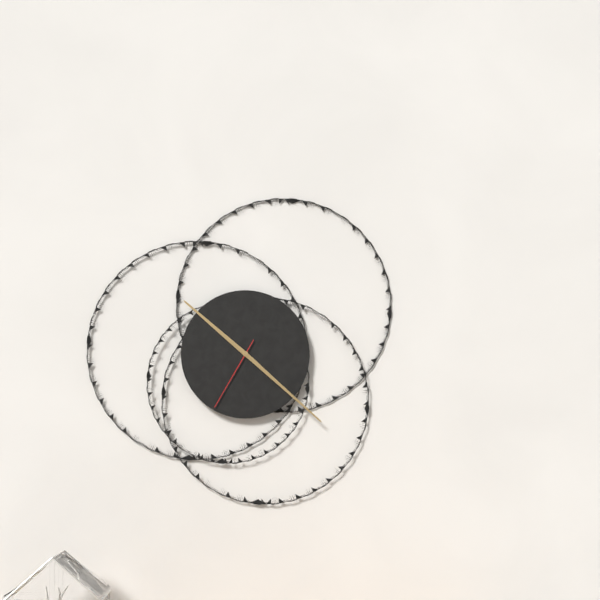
10:22:35
